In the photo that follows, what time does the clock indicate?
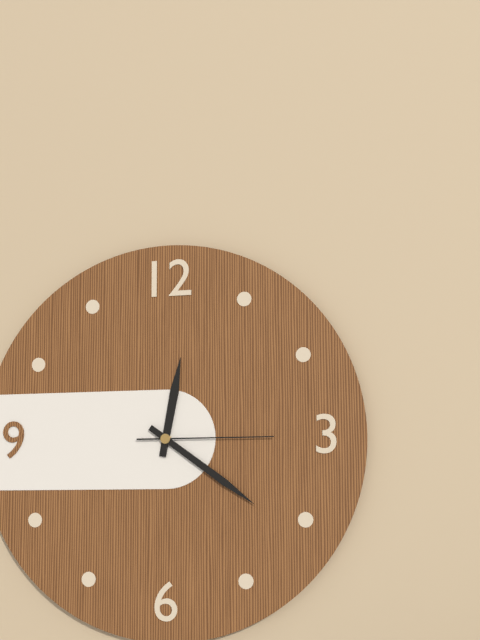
12:21:15
